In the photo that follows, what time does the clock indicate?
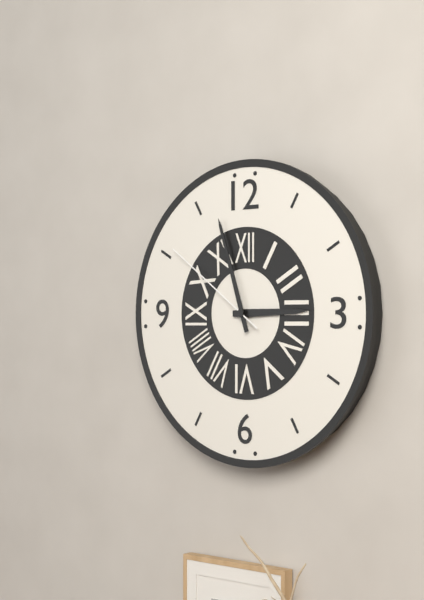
2:57:51
